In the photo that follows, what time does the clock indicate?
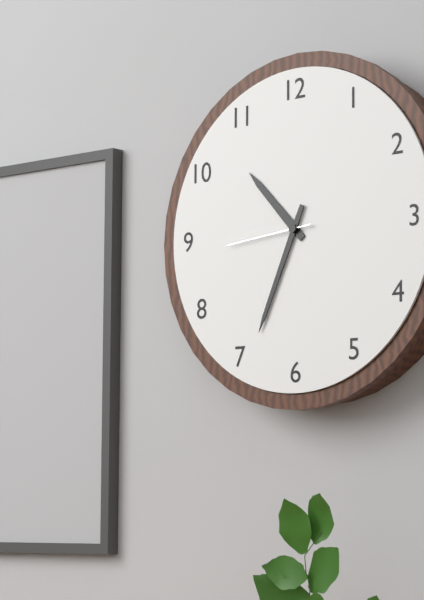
10:34:44
